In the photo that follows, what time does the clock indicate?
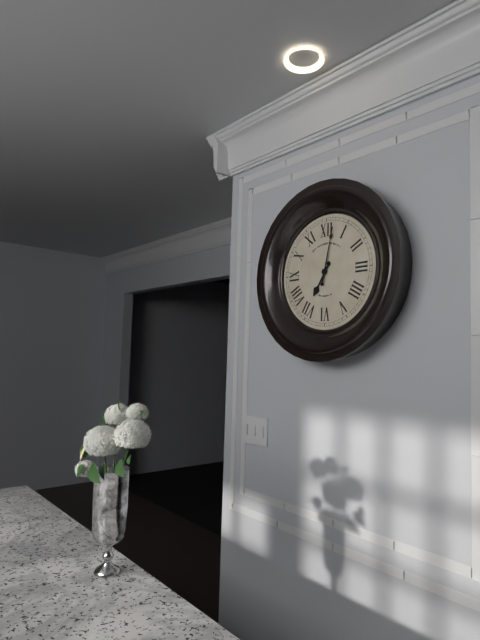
7:02
